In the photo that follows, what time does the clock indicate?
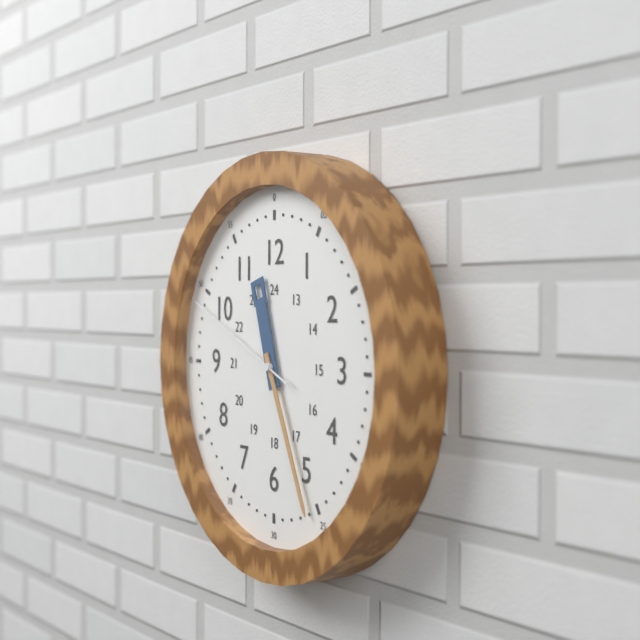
11:26:49
